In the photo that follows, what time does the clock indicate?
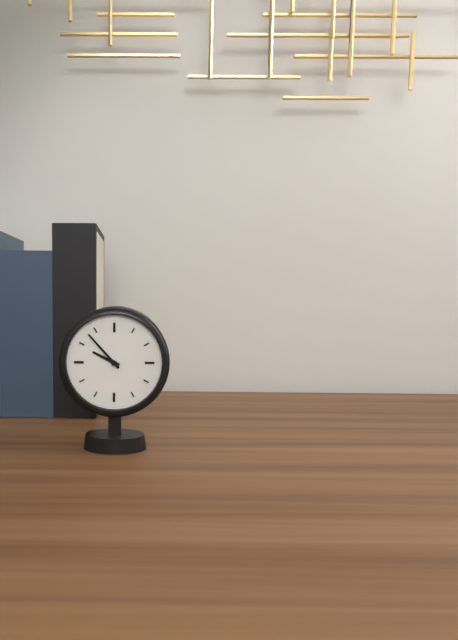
9:53
